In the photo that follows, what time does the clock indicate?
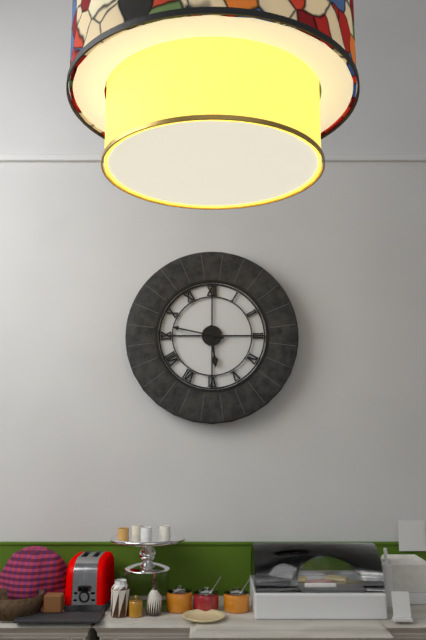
5:47
